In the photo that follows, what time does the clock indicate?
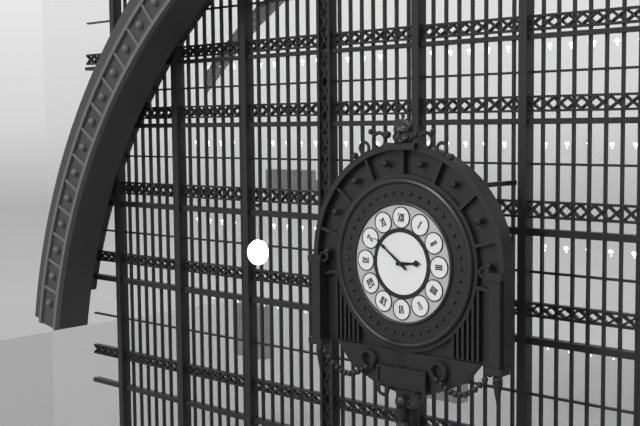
2:51
